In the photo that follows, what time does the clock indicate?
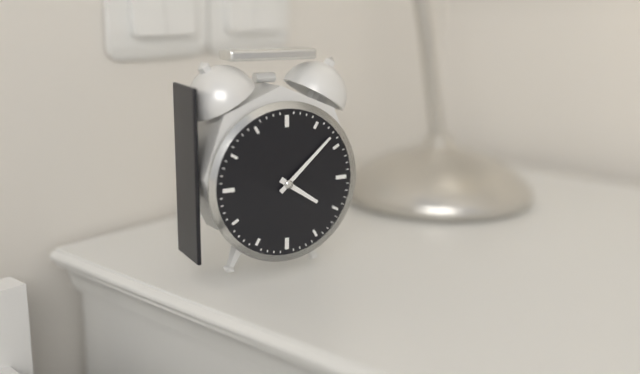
4:08
